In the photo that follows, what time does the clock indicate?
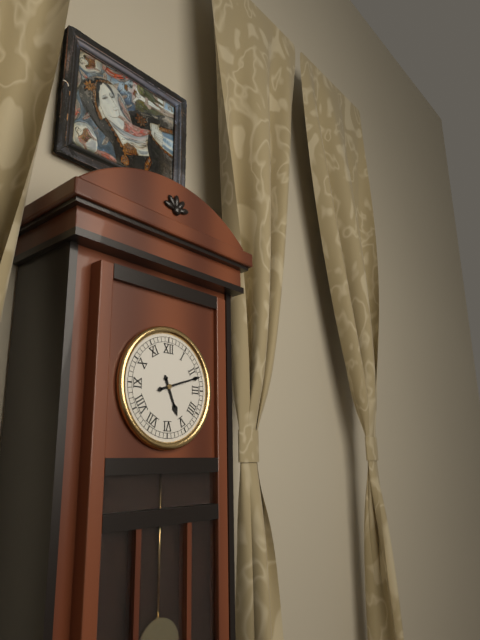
5:12
